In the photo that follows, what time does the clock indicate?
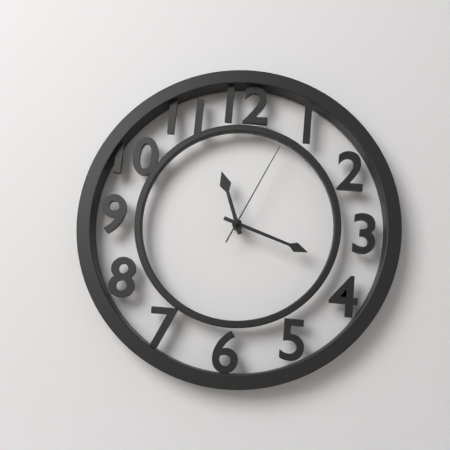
11:18:04
